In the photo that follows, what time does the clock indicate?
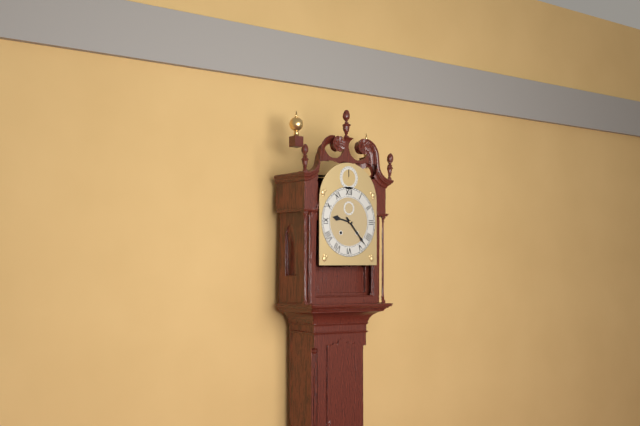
9:23
